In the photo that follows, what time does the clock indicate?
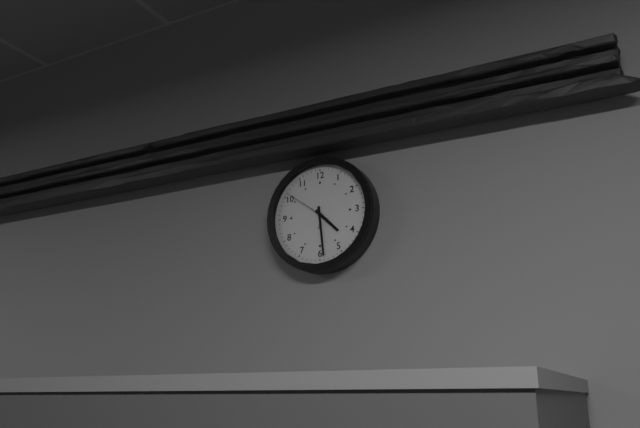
4:29
